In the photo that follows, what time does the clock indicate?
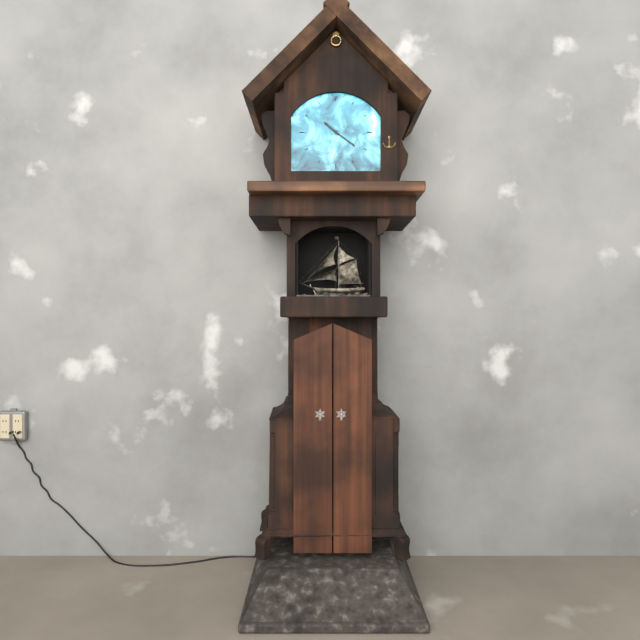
10:21
